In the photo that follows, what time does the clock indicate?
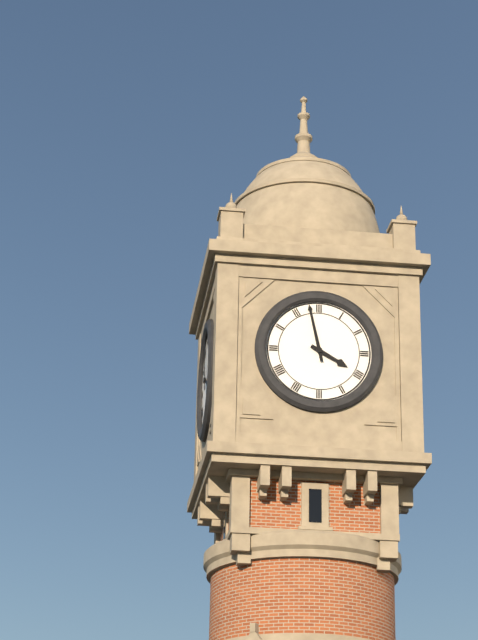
3:58
